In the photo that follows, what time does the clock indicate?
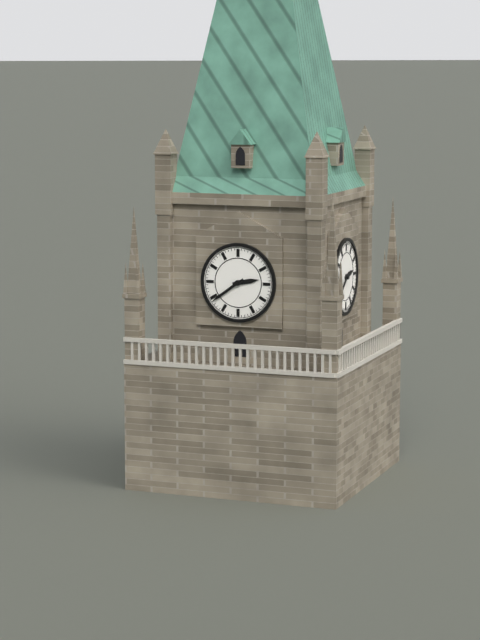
2:39
